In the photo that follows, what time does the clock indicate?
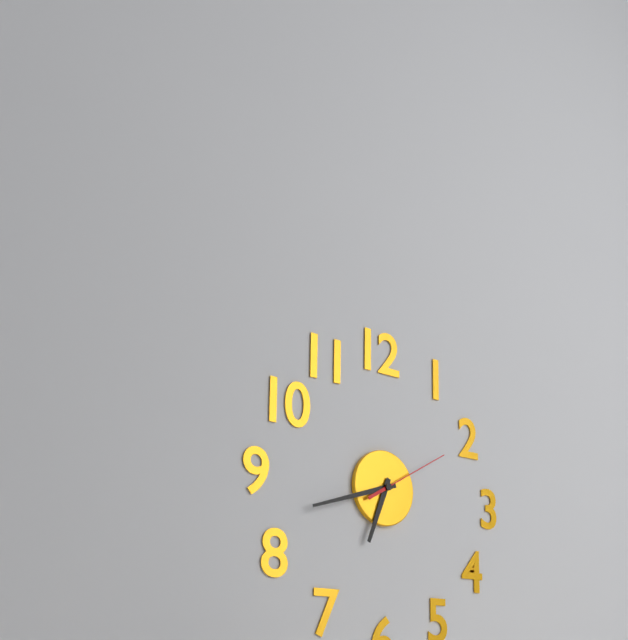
6:42:10
